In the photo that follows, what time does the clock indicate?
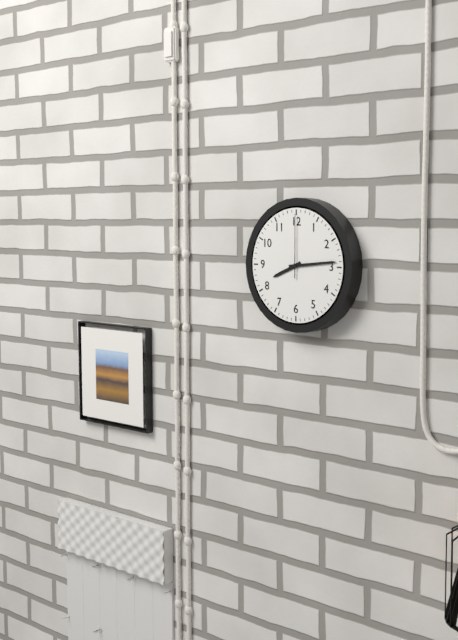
8:14:00
